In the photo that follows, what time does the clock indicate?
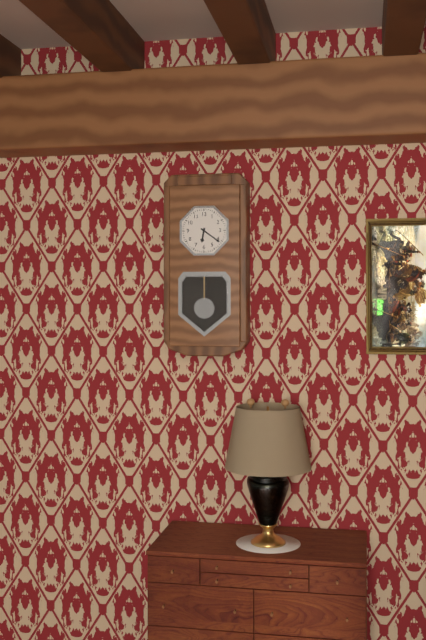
6:21
